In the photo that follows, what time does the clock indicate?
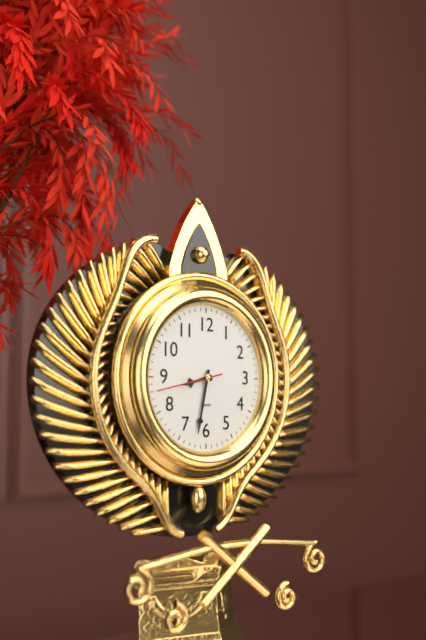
8:32:43
